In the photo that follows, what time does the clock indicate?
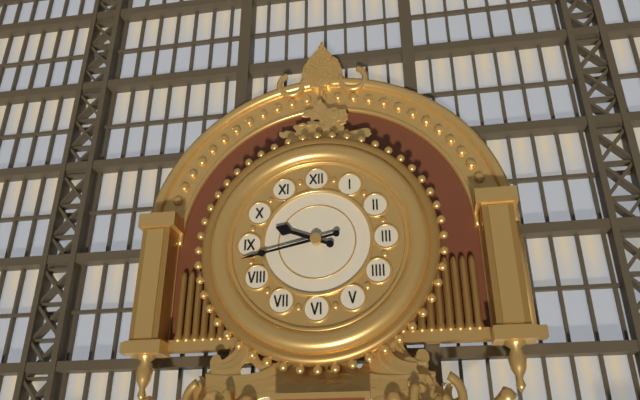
9:43
